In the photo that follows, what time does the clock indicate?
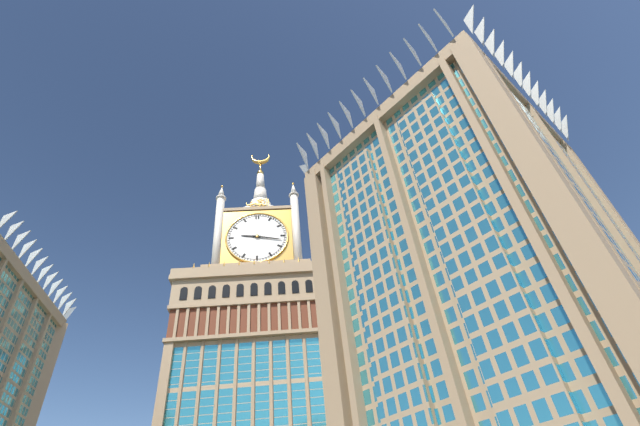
9:17
